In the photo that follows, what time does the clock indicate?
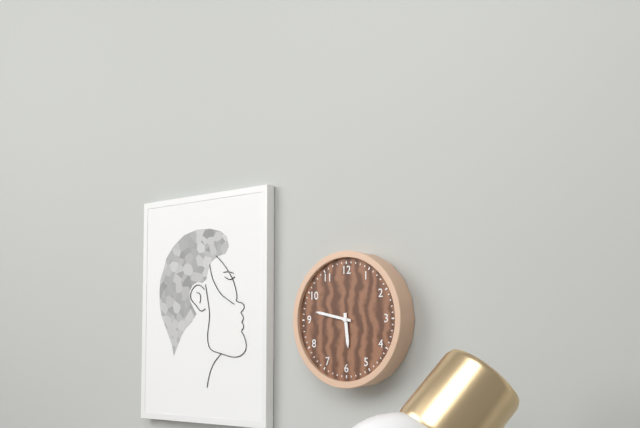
5:47
